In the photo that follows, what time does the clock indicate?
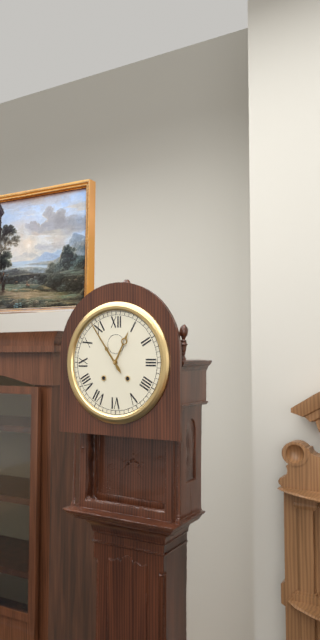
12:54
